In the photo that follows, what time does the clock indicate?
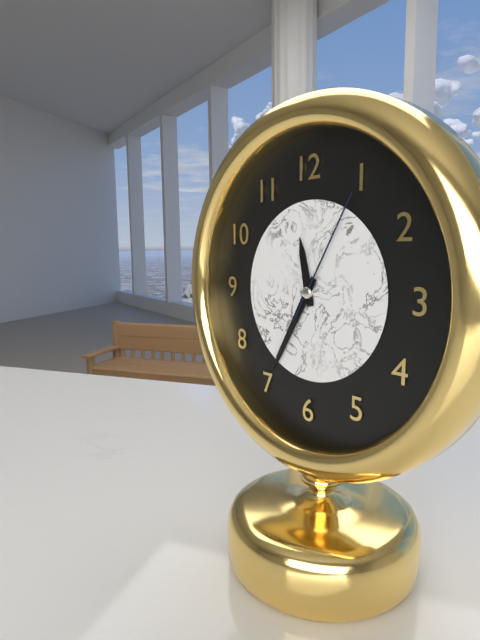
11:35:05
